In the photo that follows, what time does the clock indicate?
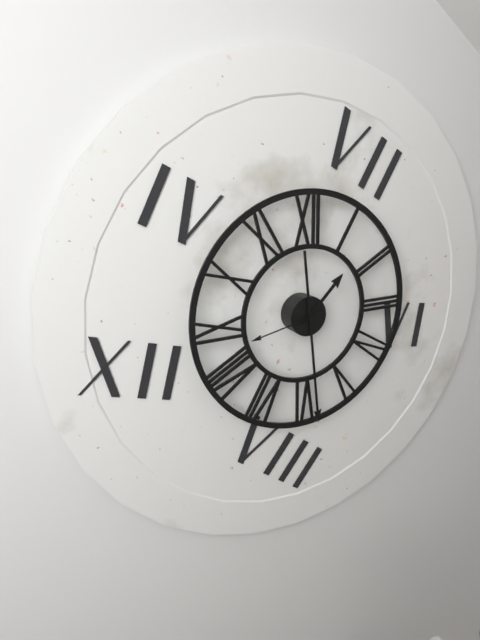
1:29:43
